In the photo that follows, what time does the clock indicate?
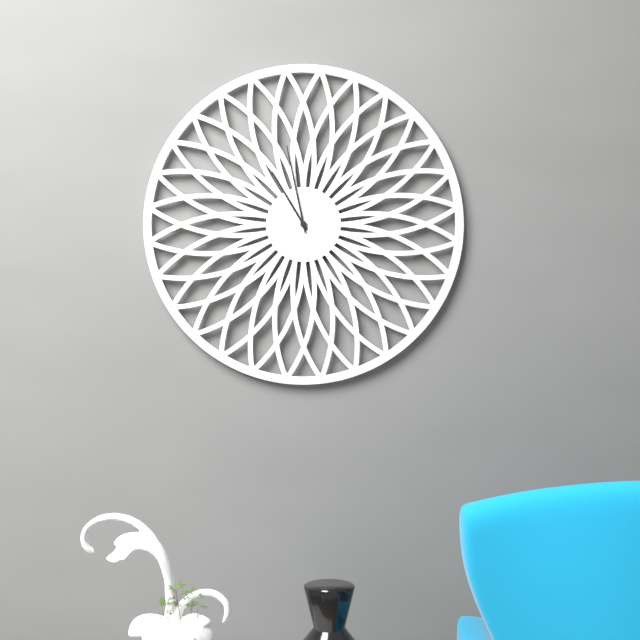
10:58
